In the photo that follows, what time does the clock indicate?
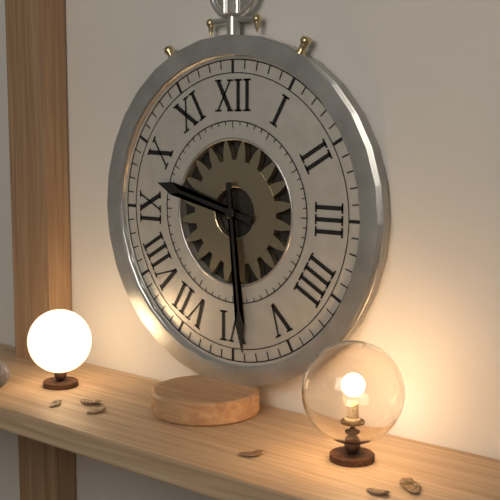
9:29
